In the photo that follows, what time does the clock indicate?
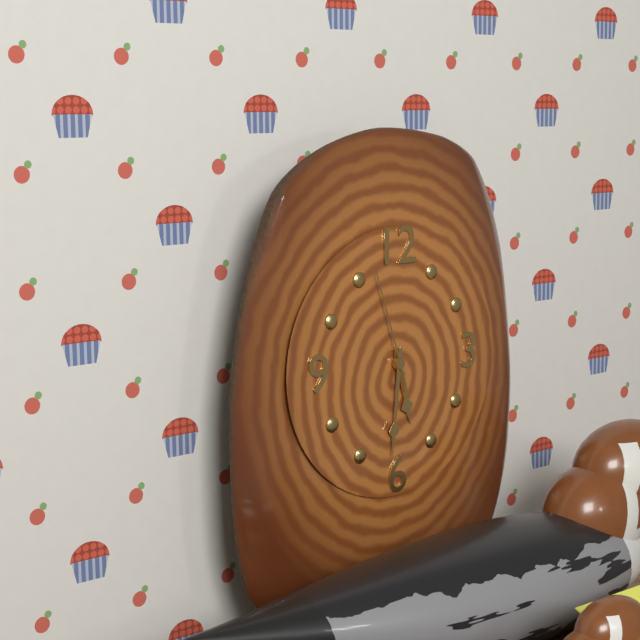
5:31:57
